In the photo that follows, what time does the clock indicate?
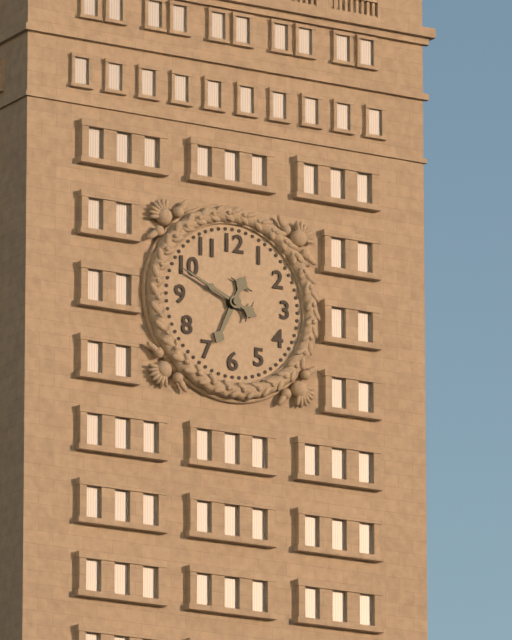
6:49
